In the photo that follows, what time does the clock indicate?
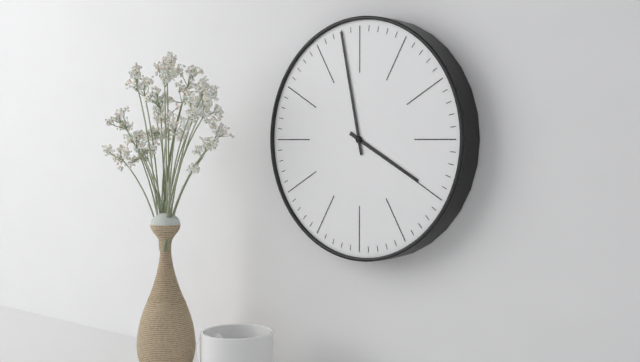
3:58
